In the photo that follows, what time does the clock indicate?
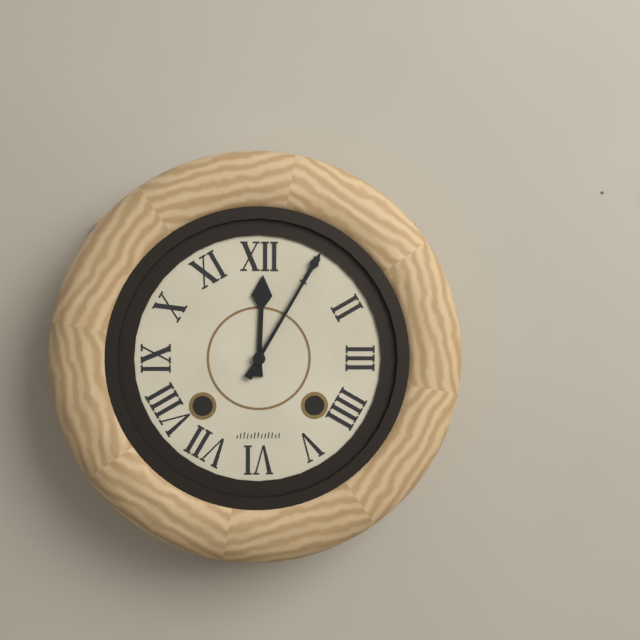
12:05
